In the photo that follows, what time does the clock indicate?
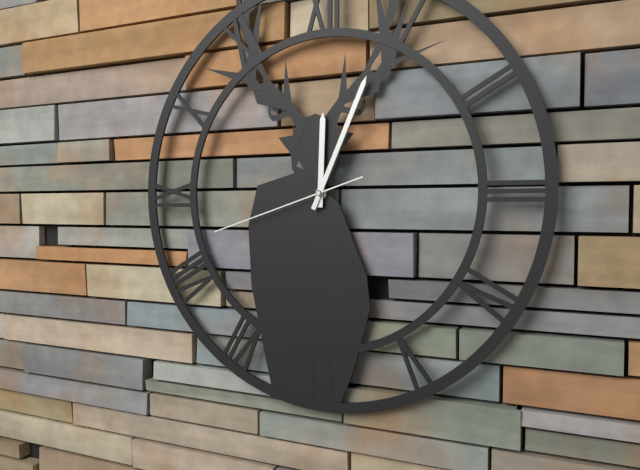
12:04:42
